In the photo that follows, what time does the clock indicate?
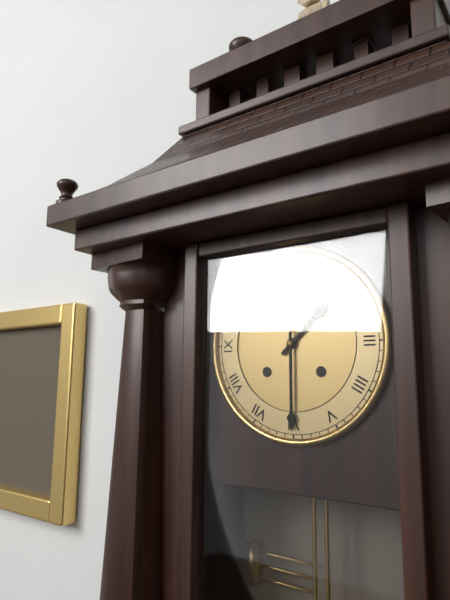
1:30
